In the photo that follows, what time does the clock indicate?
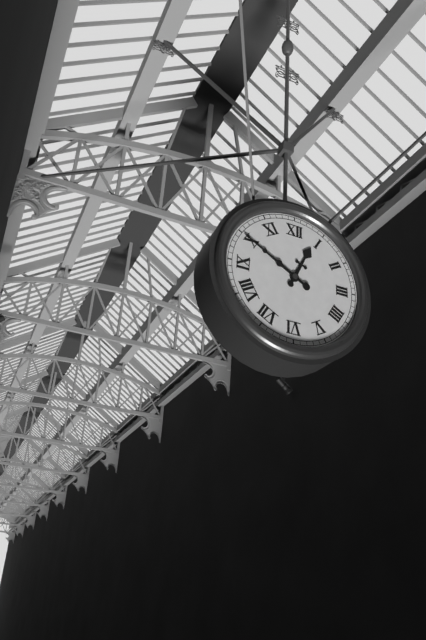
12:50
